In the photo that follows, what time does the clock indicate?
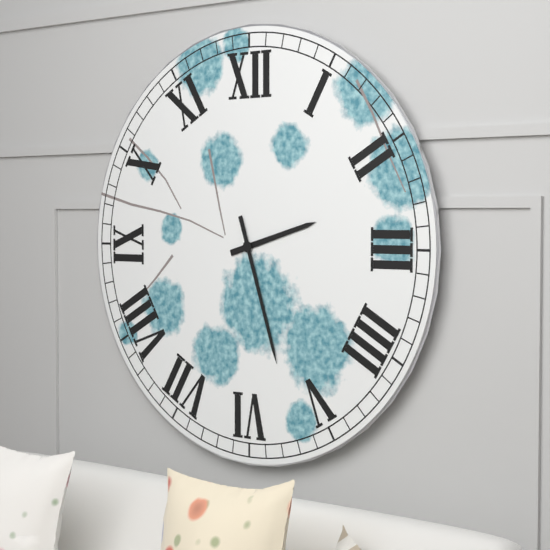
2:27
